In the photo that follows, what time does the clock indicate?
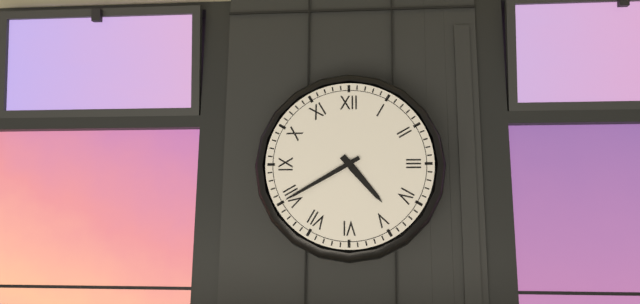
4:40
